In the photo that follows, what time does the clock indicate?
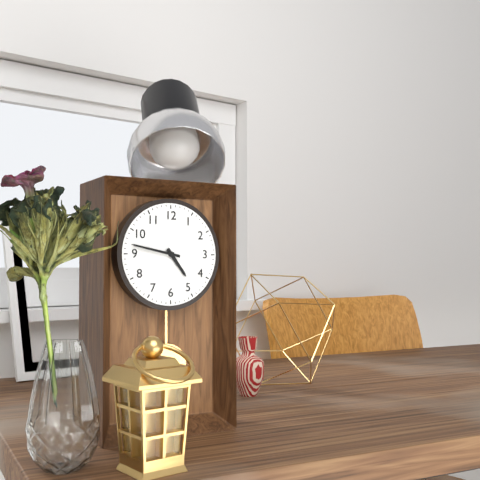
4:47
